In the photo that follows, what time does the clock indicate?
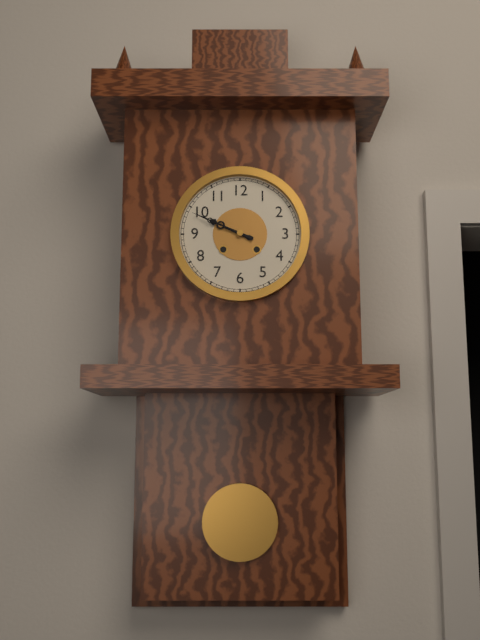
9:49
